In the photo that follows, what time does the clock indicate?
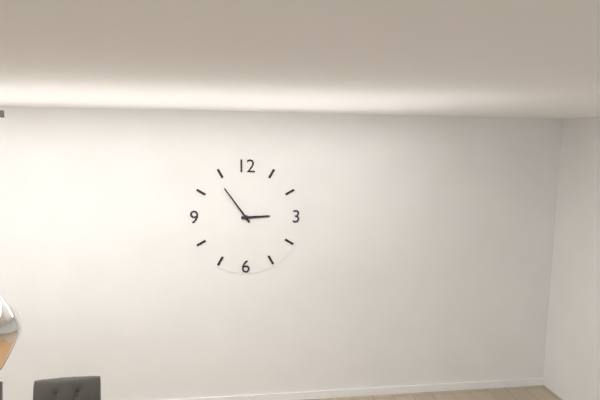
2:54
